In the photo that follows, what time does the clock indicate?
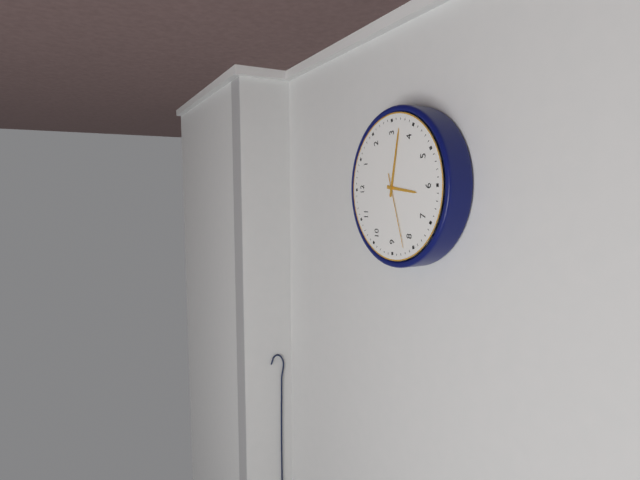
6:17:42
